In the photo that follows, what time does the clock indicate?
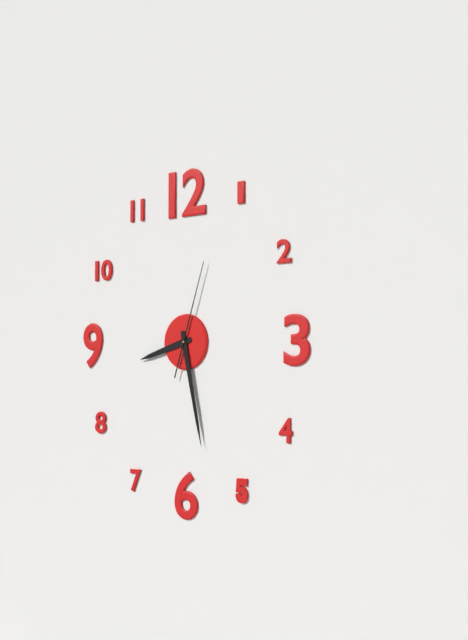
8:28:03
